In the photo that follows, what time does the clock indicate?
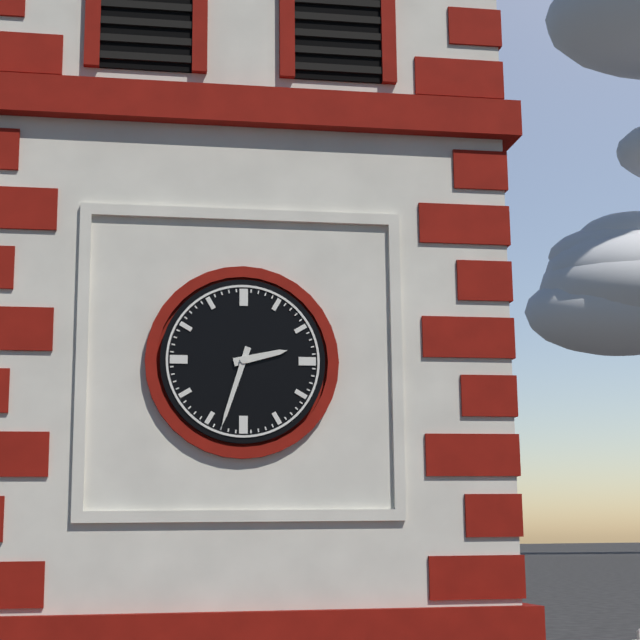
2:33
